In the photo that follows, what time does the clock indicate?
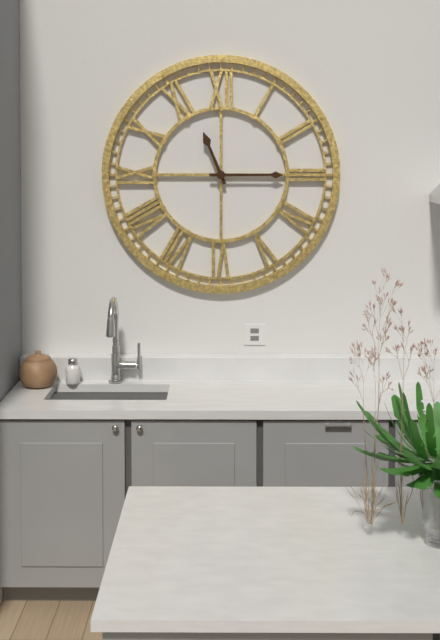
11:15
